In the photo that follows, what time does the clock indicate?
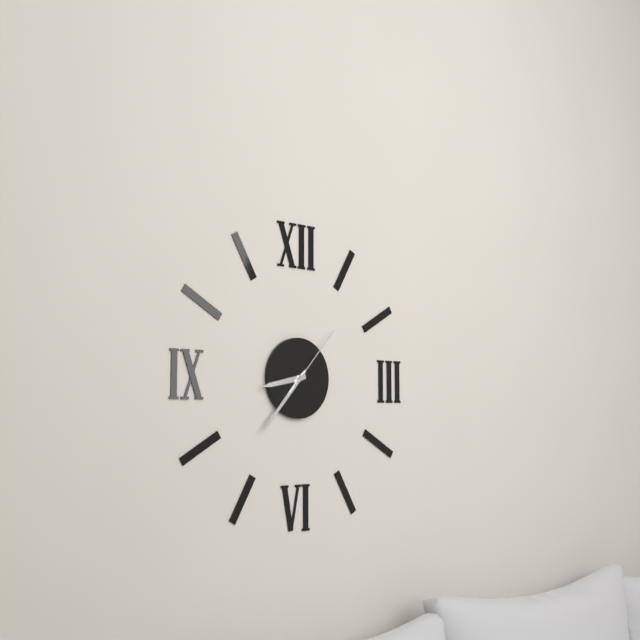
8:37:07
